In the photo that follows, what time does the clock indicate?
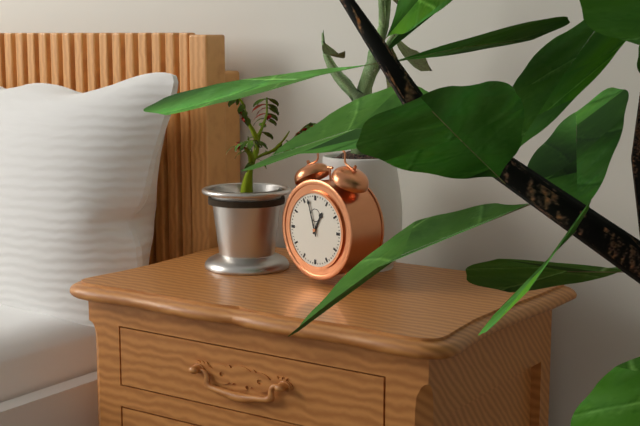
12:57
